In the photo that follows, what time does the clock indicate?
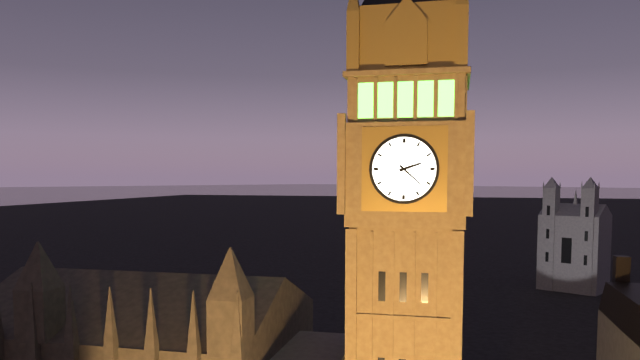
2:22
